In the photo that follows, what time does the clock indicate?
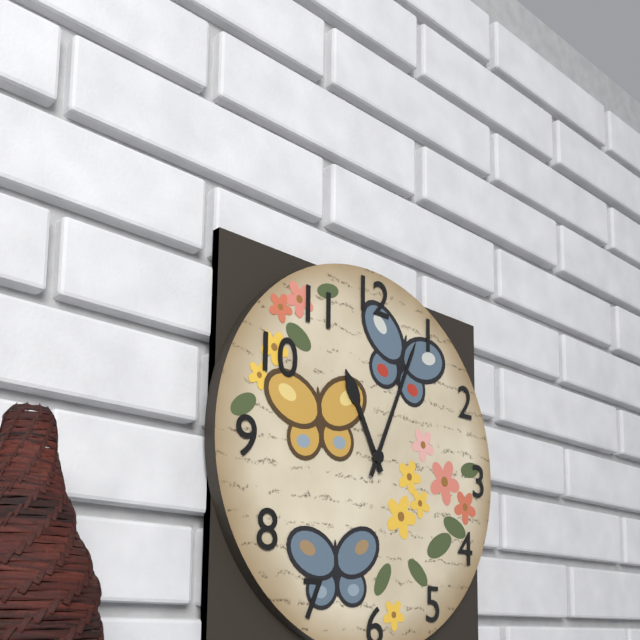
11:04
